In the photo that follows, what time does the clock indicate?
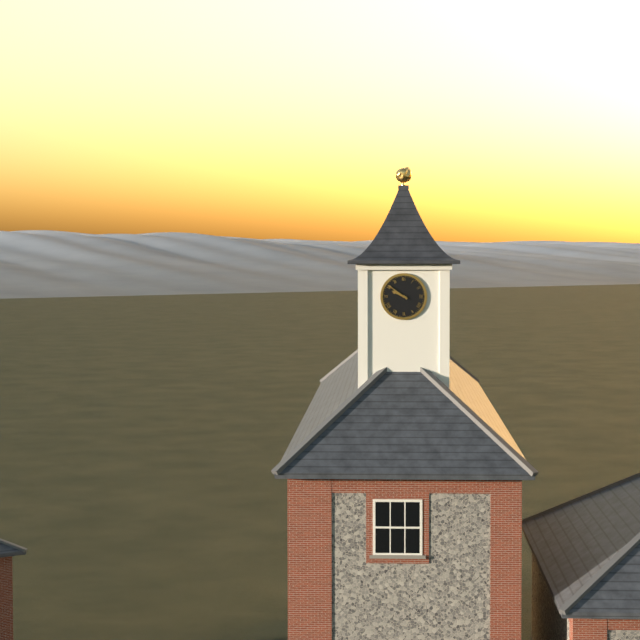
9:51
